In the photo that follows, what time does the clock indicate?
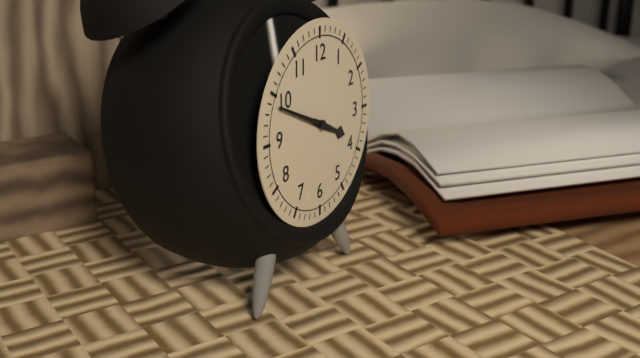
3:49
